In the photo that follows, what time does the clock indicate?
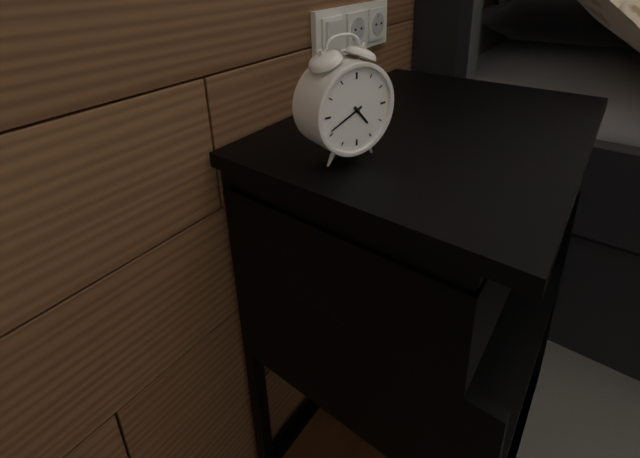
4:41
